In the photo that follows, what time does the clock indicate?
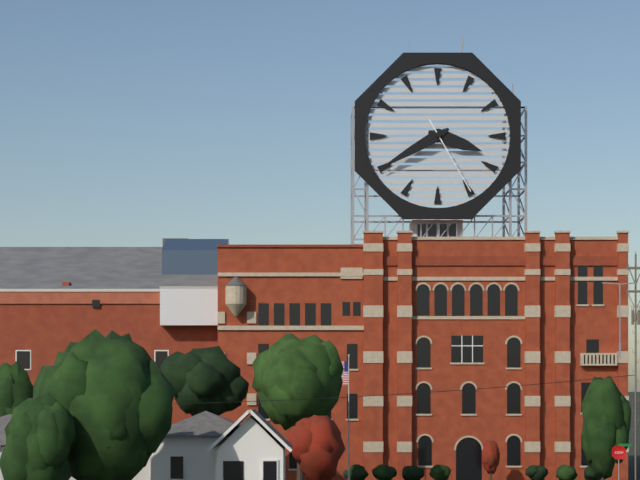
3:40:25
